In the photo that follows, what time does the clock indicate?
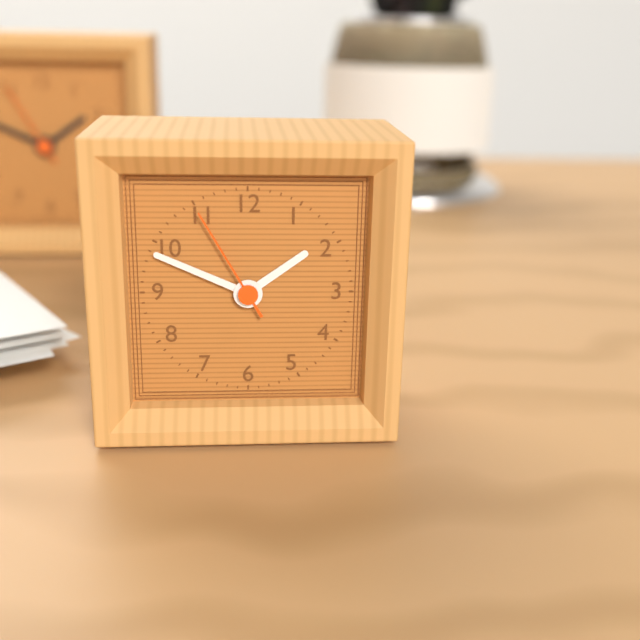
1:49:55
